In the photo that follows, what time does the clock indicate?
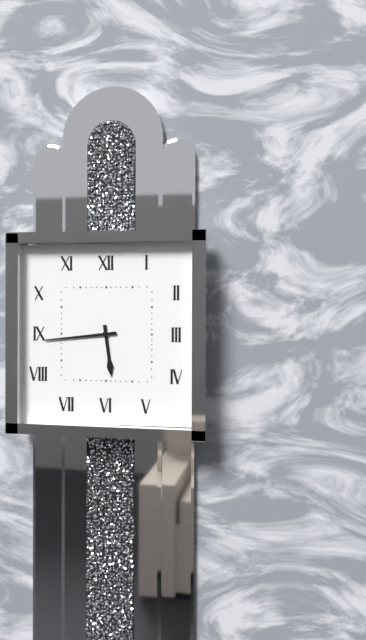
5:44
